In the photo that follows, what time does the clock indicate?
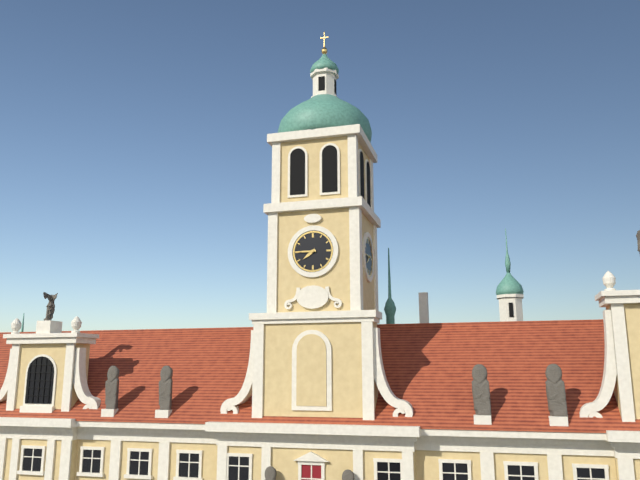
7:45
